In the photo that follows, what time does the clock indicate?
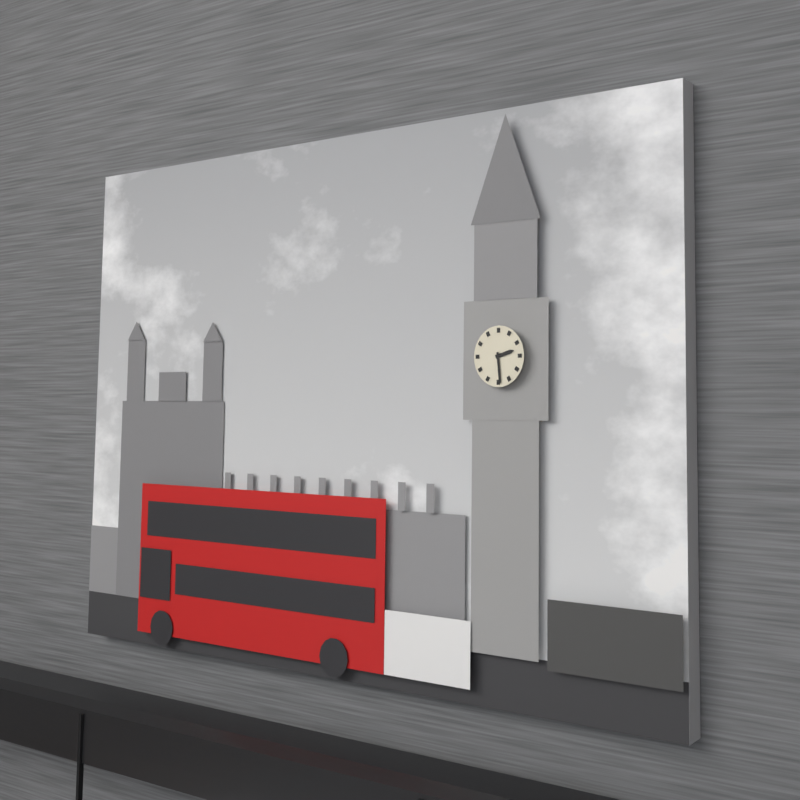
2:29
